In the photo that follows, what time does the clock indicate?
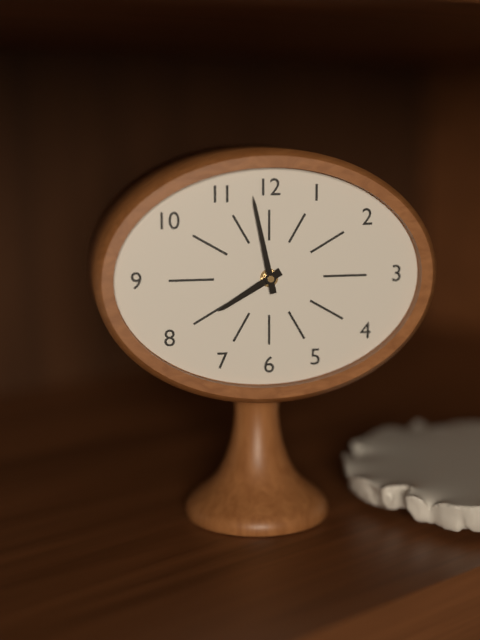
7:58
